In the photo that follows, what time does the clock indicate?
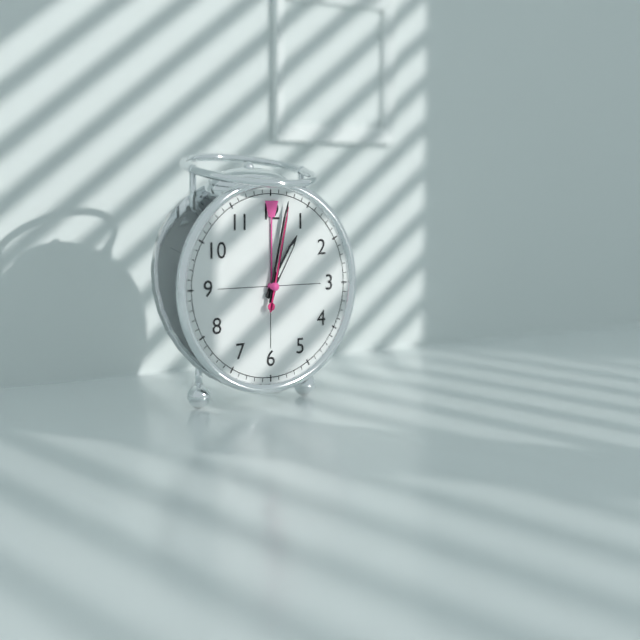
1:02:02
